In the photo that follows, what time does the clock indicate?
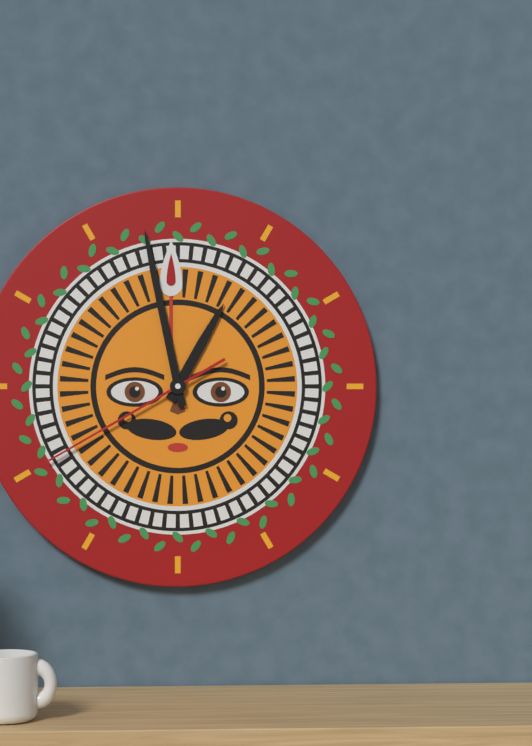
12:58:40
